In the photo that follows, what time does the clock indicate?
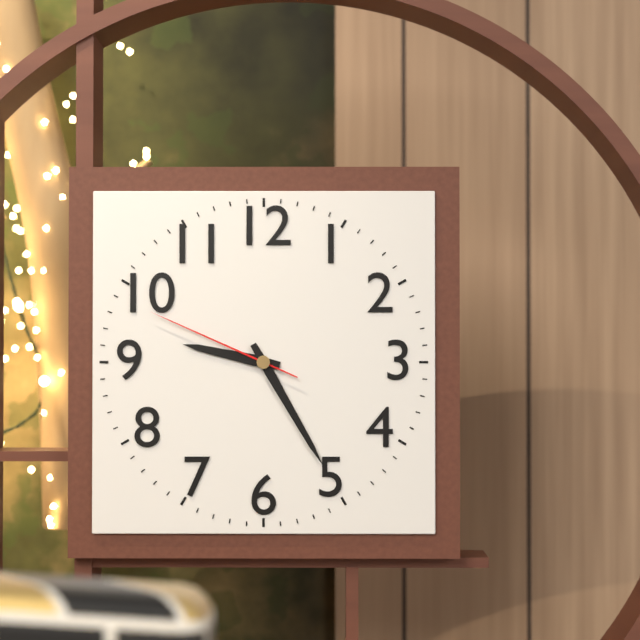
9:25:49
